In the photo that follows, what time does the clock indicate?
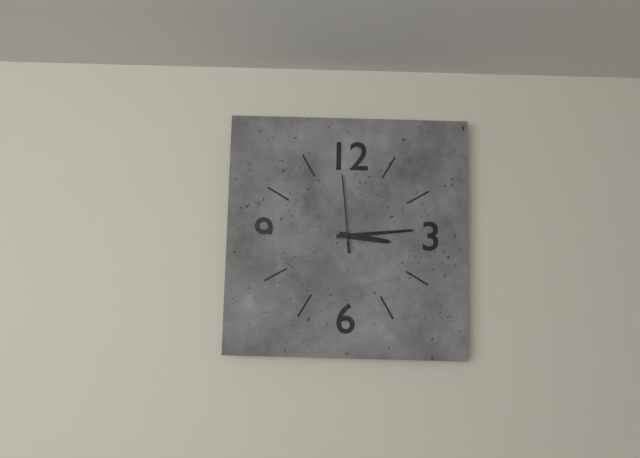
3:14:59
